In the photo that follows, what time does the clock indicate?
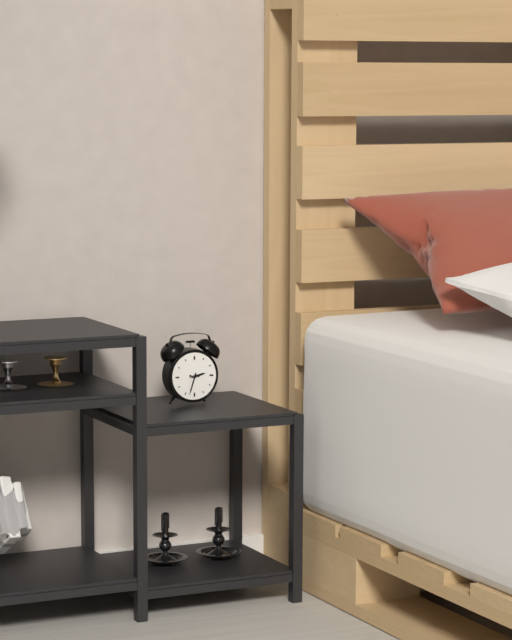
2:33
